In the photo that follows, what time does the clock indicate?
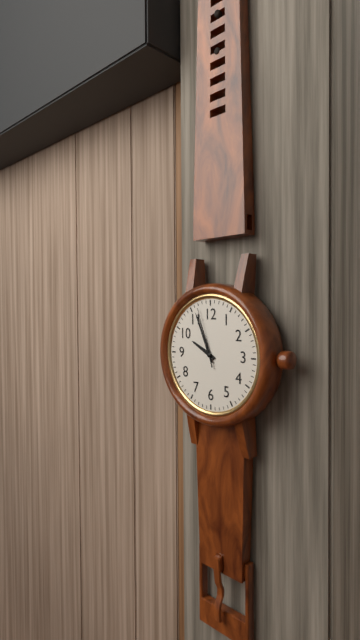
9:56:57
